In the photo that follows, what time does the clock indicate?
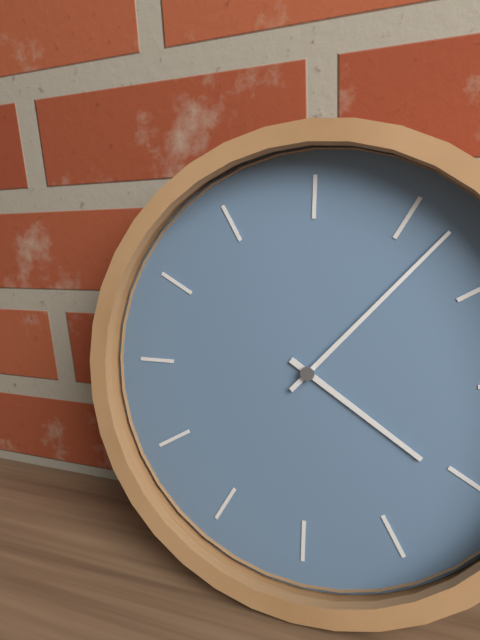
4:07
